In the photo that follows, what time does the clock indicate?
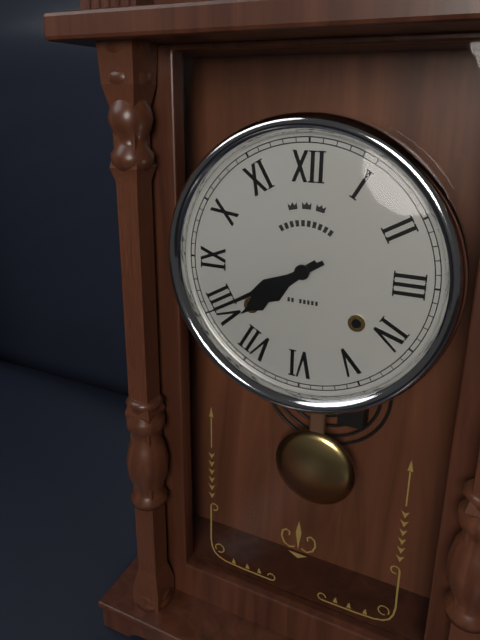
7:40
